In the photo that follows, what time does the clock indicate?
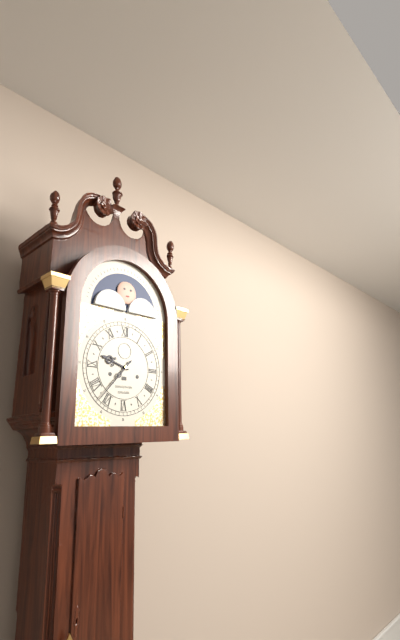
9:37
